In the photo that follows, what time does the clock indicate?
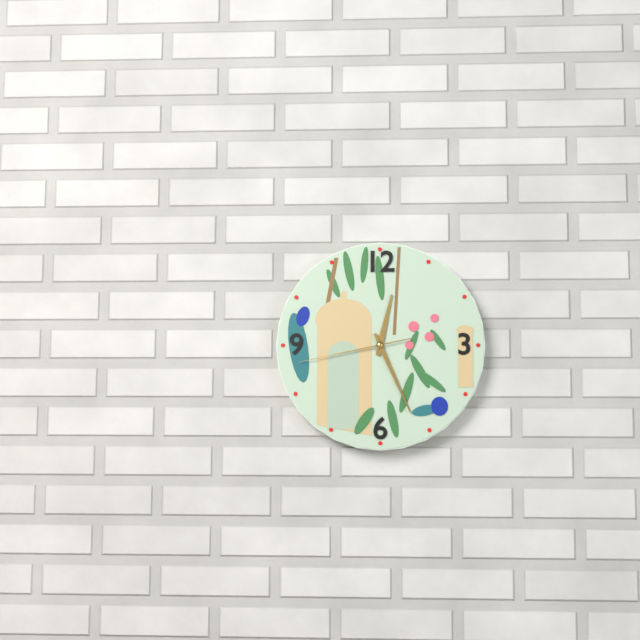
12:26:43
